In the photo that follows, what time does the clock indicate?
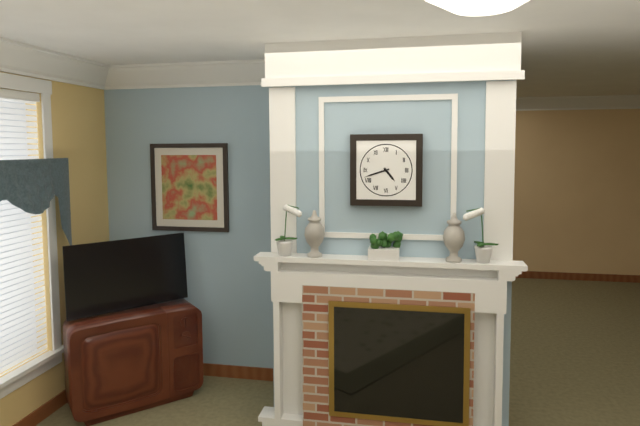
4:42
